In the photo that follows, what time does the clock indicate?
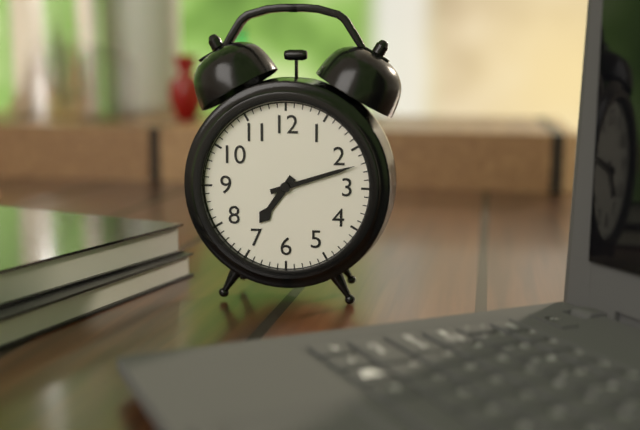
7:12
